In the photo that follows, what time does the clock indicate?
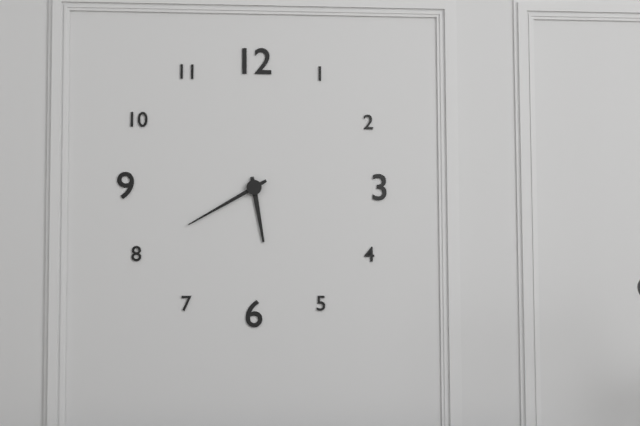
5:40
